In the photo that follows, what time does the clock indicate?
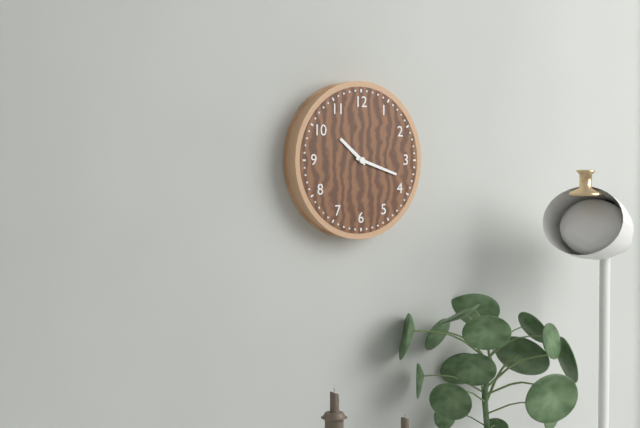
10:18
